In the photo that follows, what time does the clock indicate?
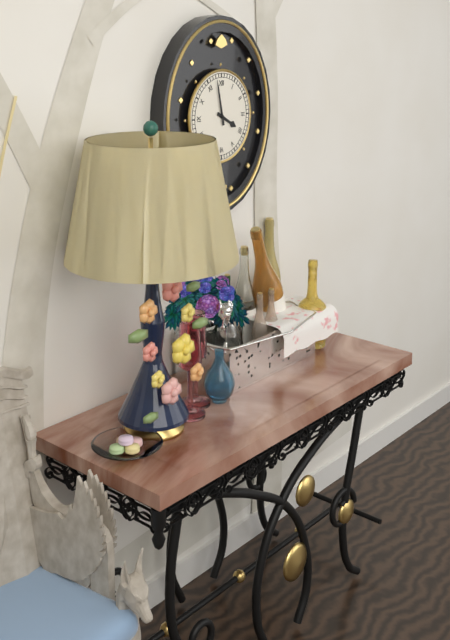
3:58
